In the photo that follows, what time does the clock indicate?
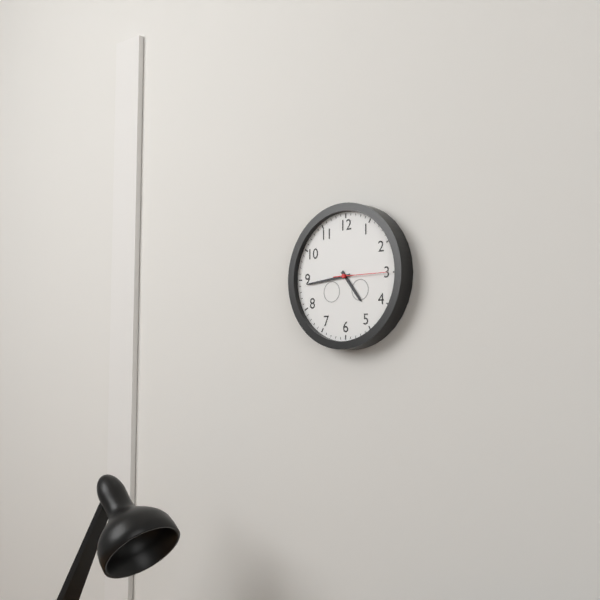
4:44:15
